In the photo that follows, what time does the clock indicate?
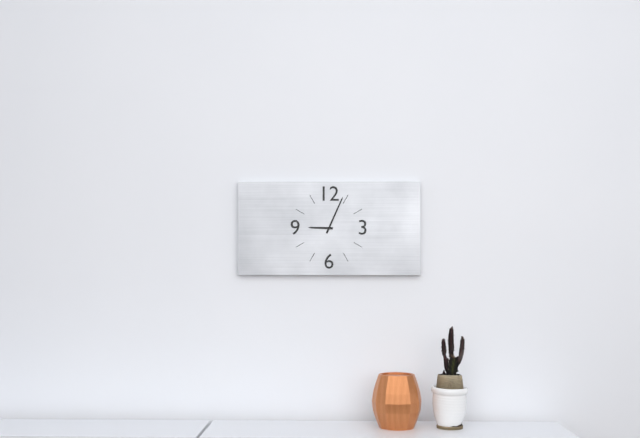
9:04
